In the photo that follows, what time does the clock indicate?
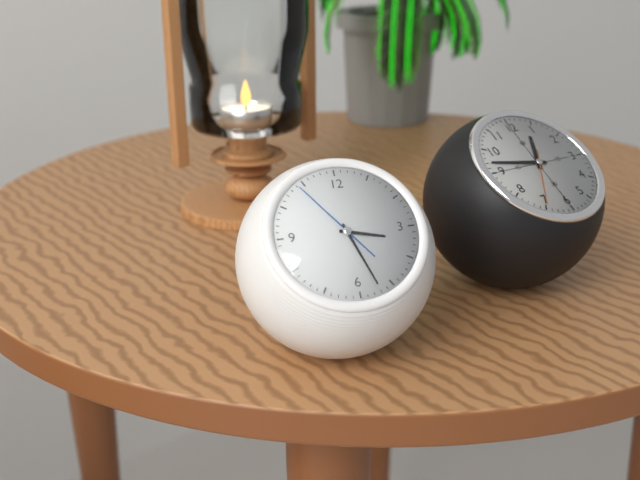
3:27:54
